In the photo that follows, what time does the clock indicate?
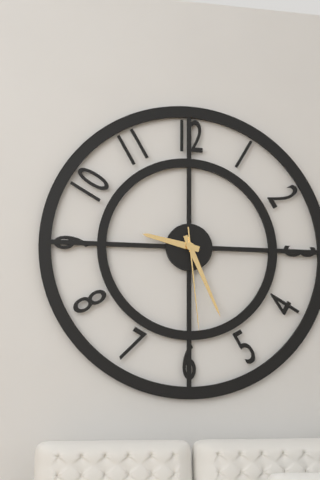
9:26:29
